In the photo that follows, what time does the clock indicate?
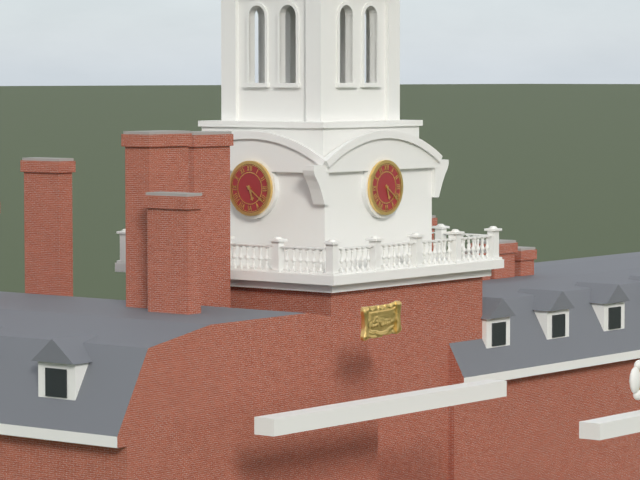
5:21
